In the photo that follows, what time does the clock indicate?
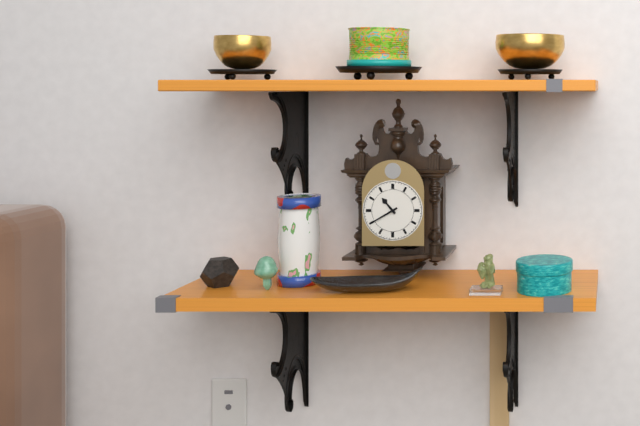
10:40
